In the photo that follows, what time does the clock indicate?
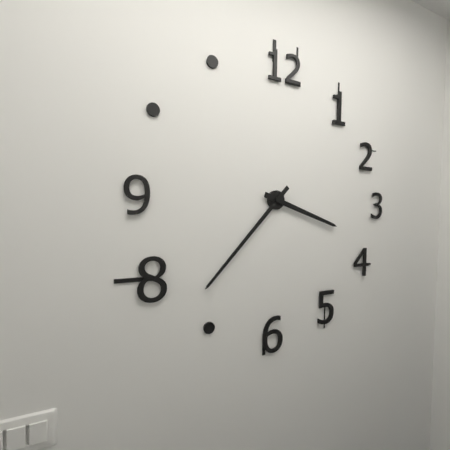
3:37
